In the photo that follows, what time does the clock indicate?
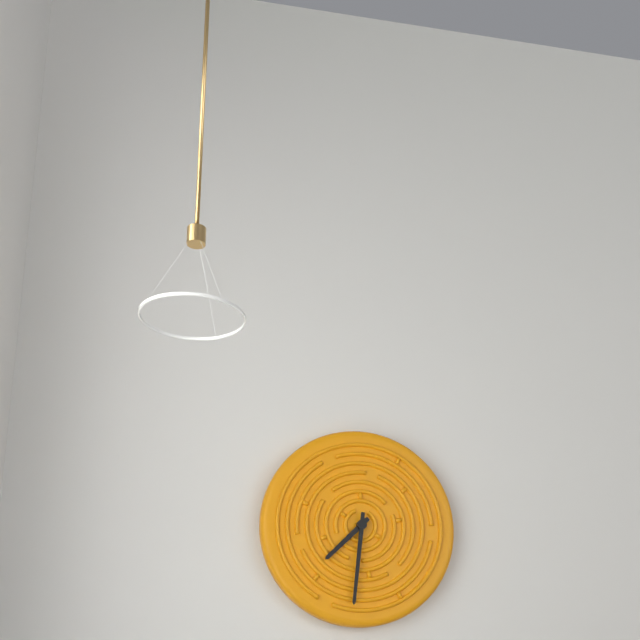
7:31
